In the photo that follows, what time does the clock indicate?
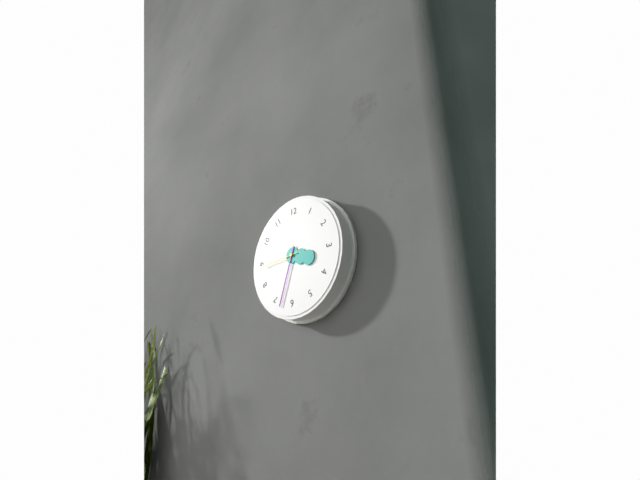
3:33:44
